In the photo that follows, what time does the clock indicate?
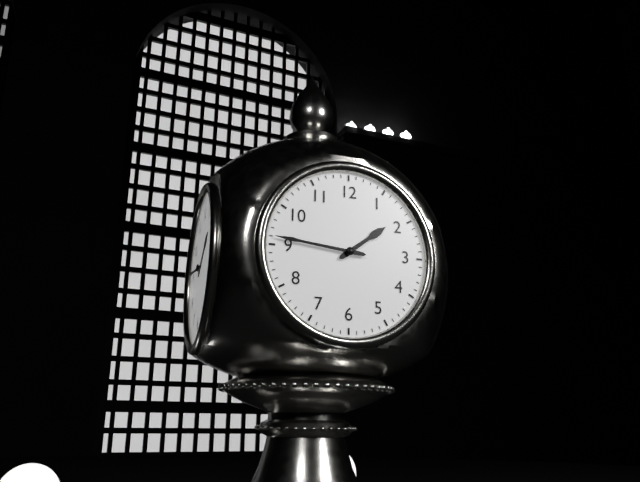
1:46
